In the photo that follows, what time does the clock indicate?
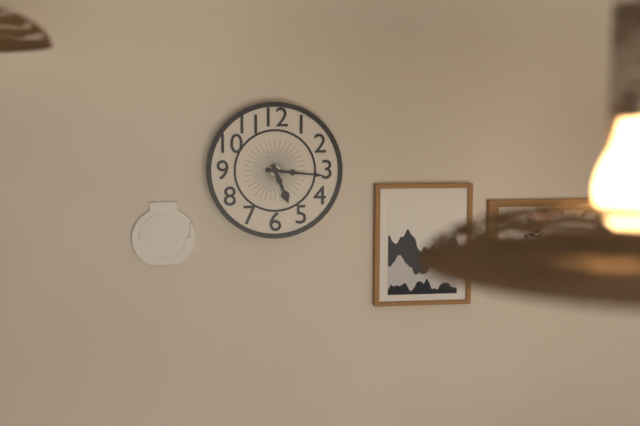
5:16
